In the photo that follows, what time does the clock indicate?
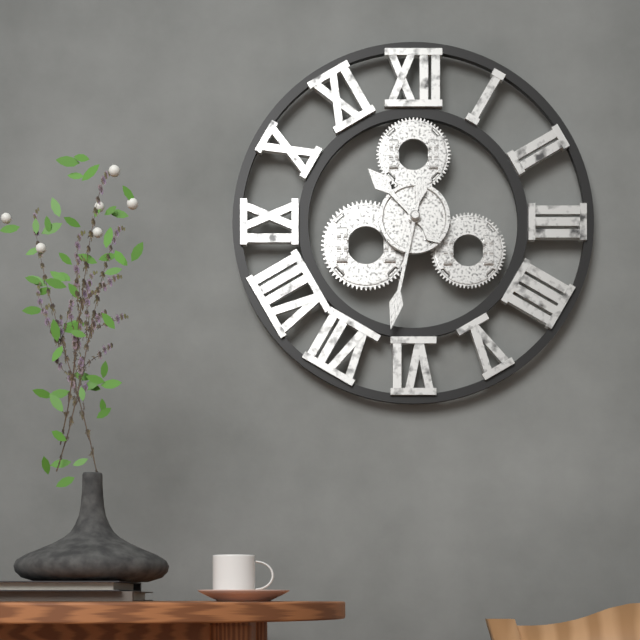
10:32
